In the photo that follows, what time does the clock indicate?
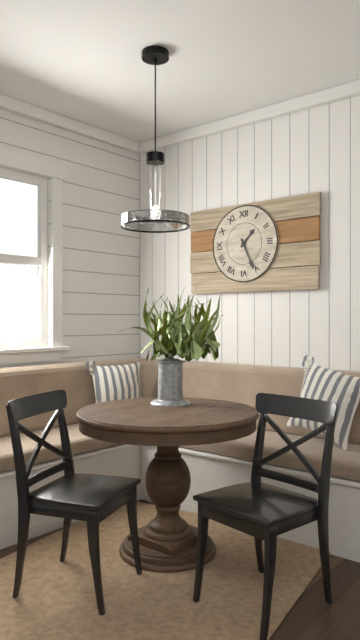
1:26
